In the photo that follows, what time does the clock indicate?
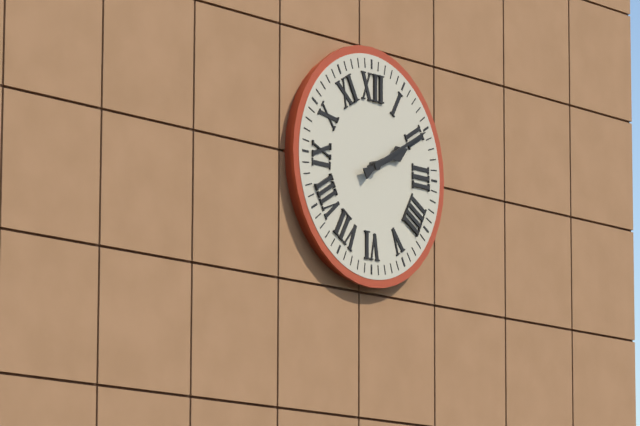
2:10
